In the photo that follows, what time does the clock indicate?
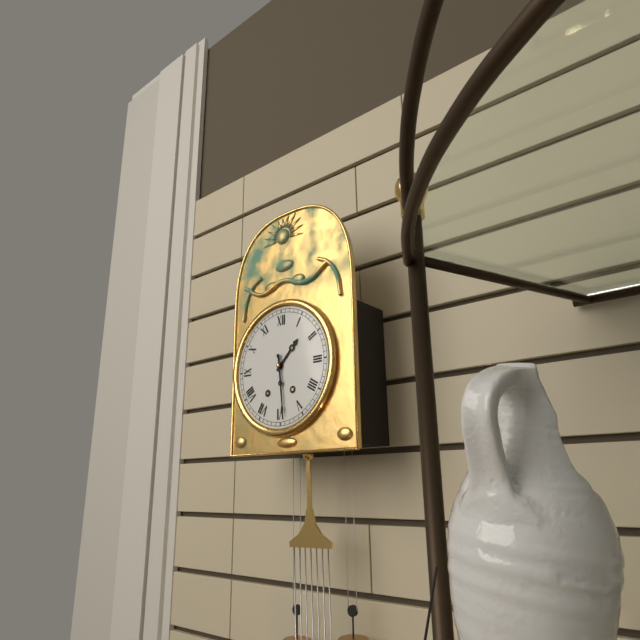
1:29
